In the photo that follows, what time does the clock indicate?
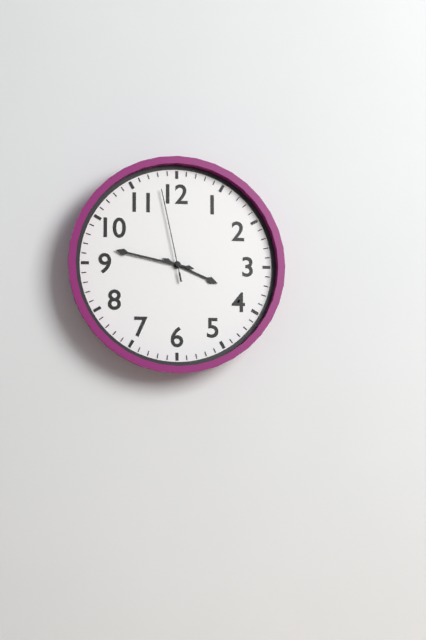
3:47:58
